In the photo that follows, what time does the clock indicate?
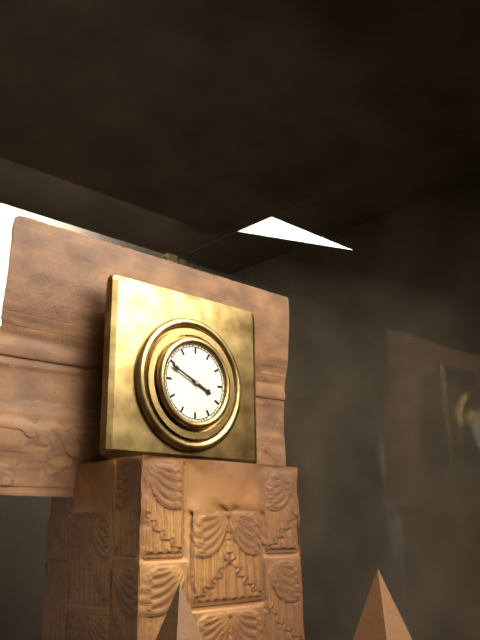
3:49
